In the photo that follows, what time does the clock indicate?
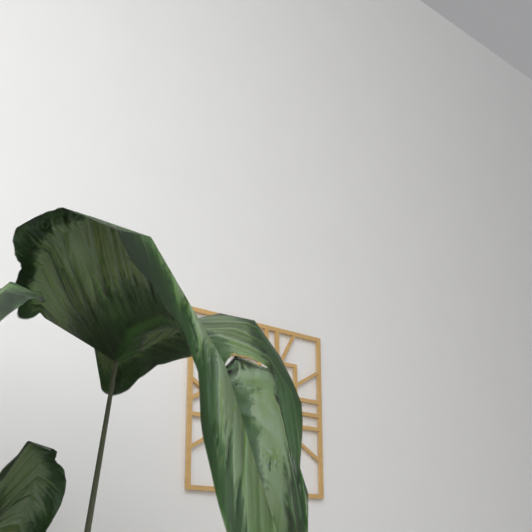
7:51
